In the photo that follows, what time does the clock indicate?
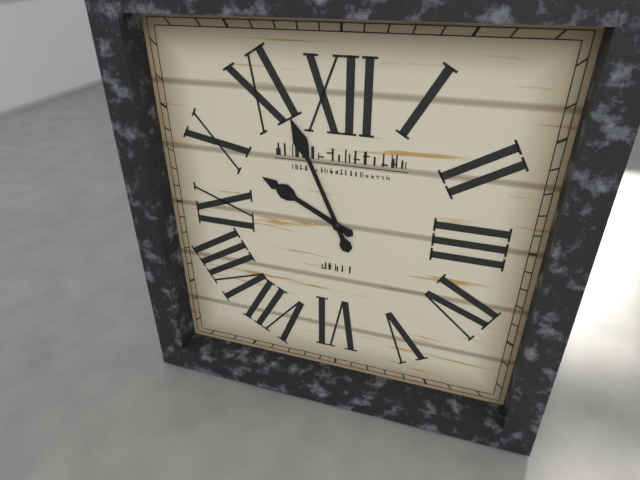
9:56
